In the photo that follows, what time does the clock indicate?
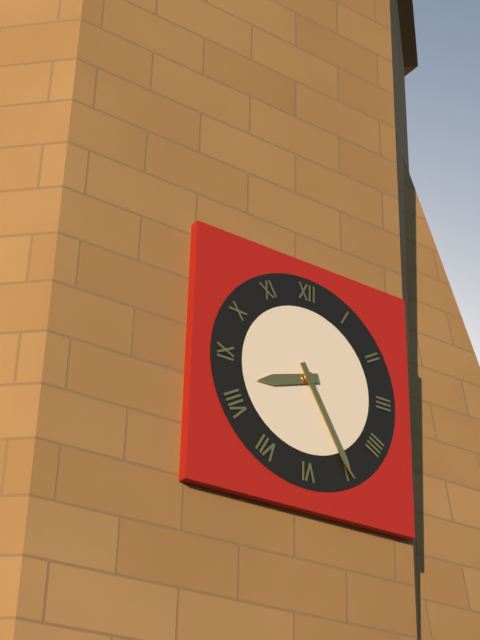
8:25
